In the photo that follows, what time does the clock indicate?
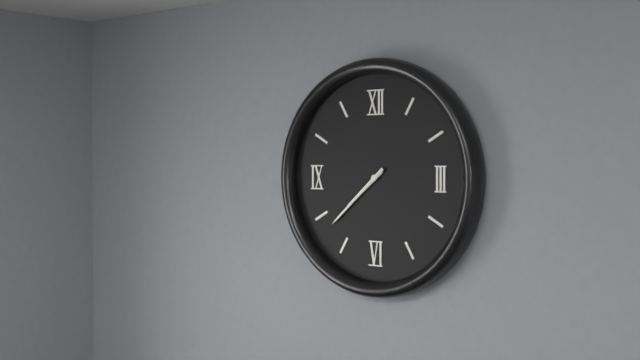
7:38
